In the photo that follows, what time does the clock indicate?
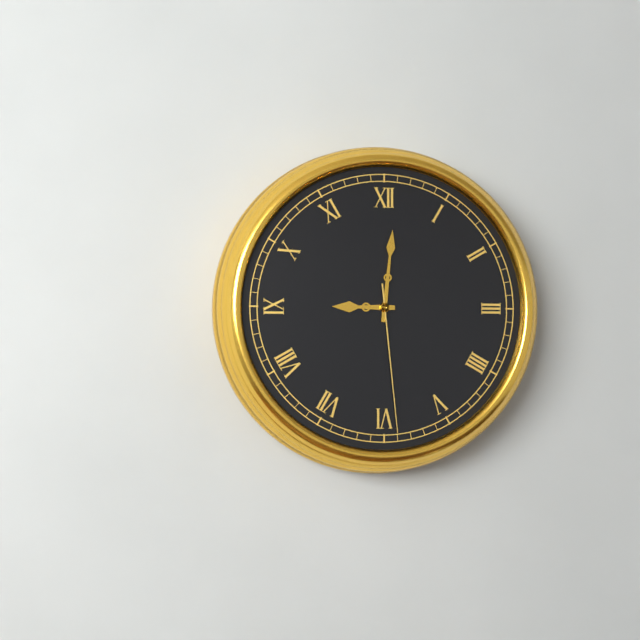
9:01:29
